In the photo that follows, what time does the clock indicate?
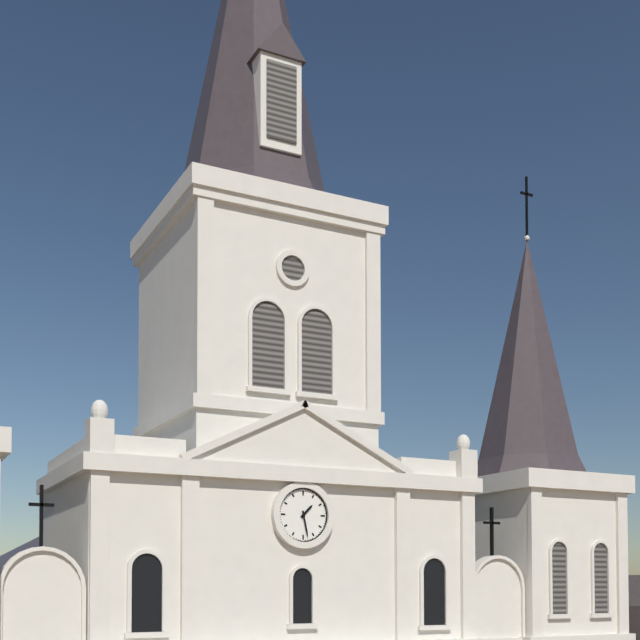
1:28
